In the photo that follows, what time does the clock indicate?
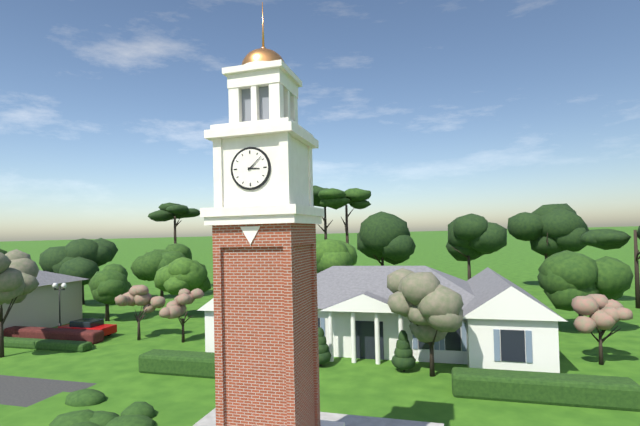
3:08
